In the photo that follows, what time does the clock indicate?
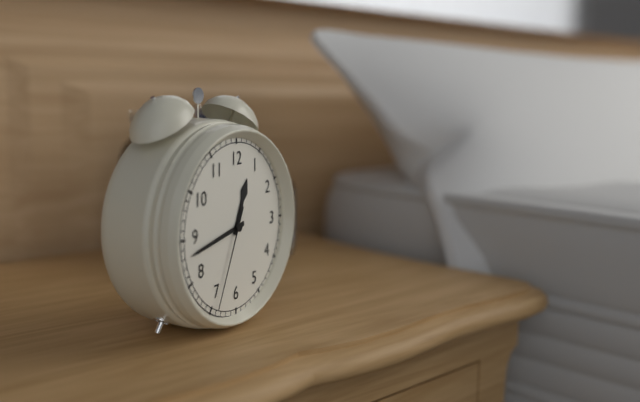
12:43:34
